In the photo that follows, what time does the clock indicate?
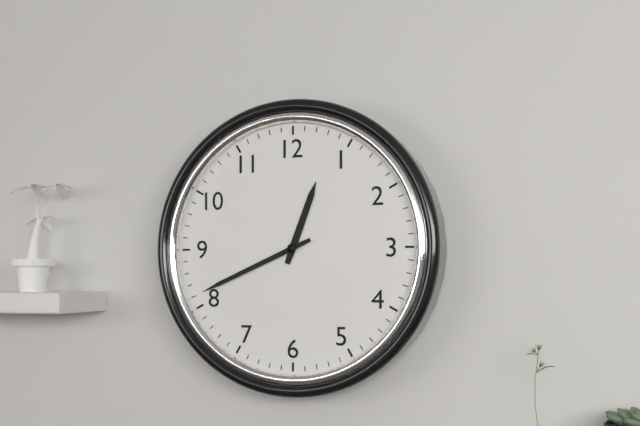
12:41
